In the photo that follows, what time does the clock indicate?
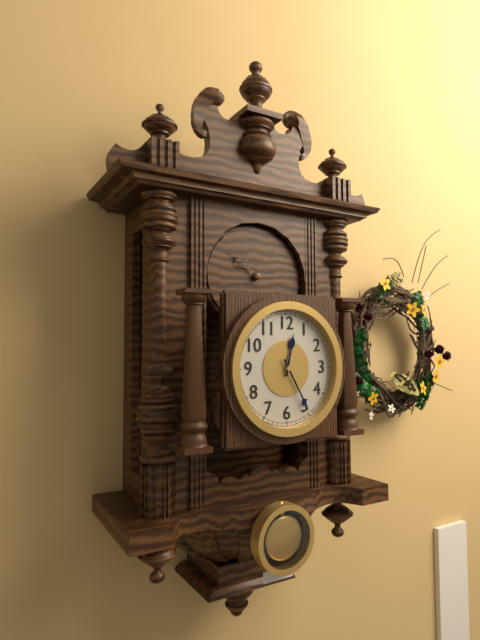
12:25
